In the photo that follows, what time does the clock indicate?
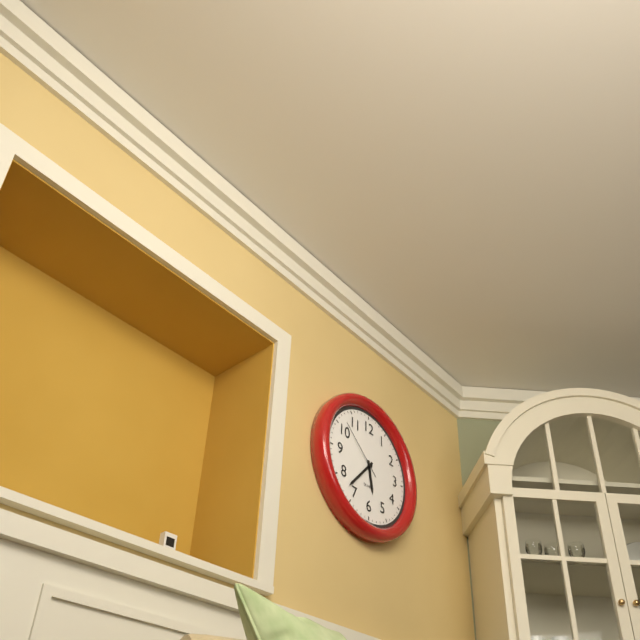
5:37:52
